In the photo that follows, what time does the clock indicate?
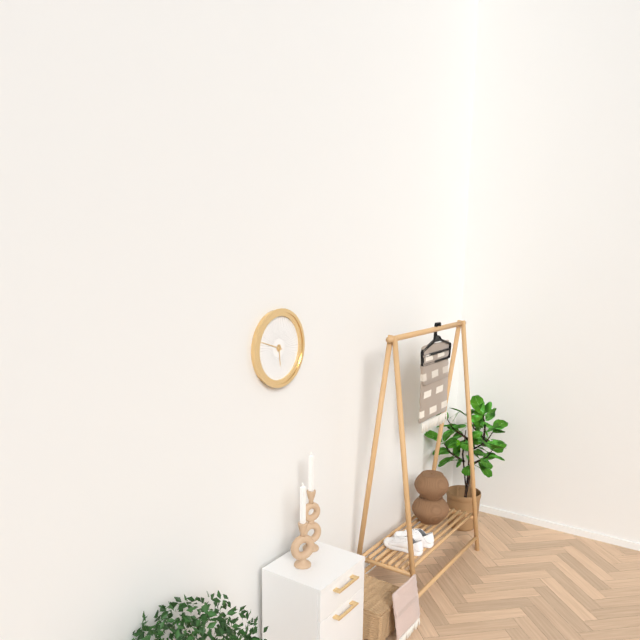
5:48
